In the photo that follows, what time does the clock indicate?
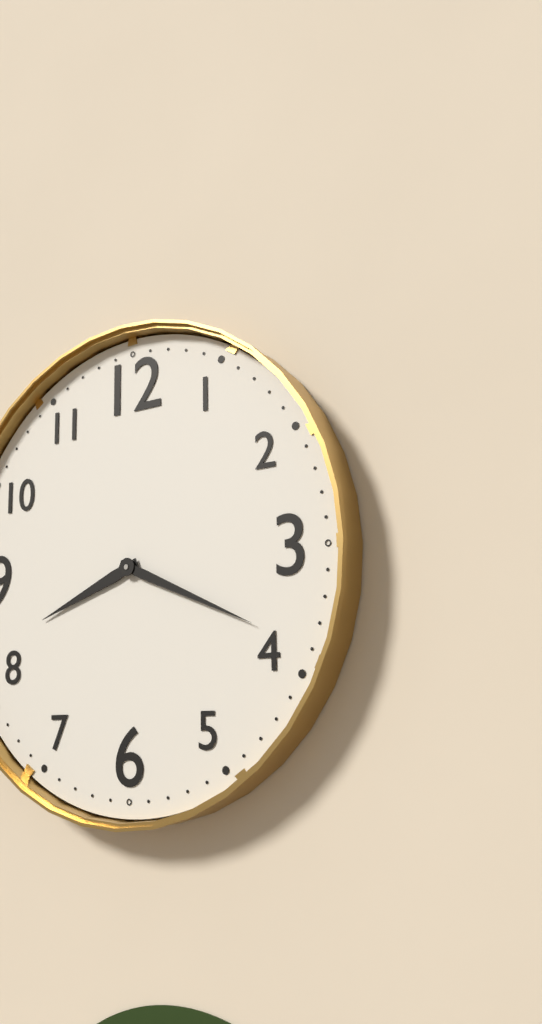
8:19
